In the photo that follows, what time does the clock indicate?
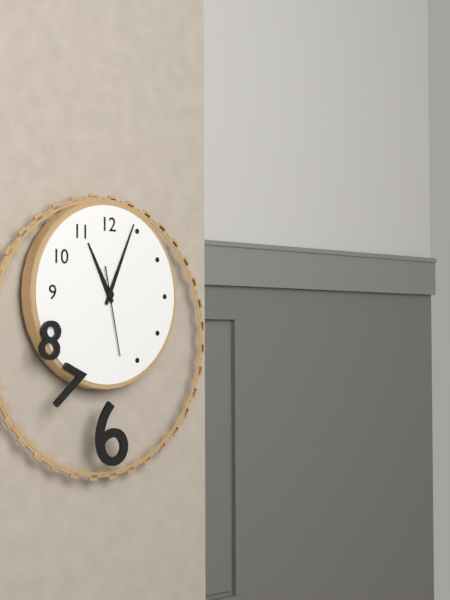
11:04:28
